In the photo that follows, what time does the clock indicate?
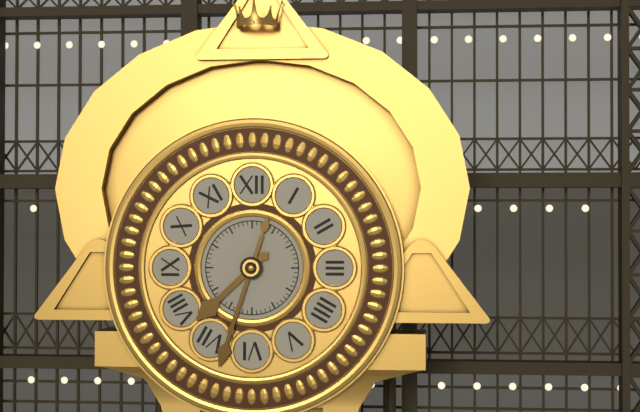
7:33
